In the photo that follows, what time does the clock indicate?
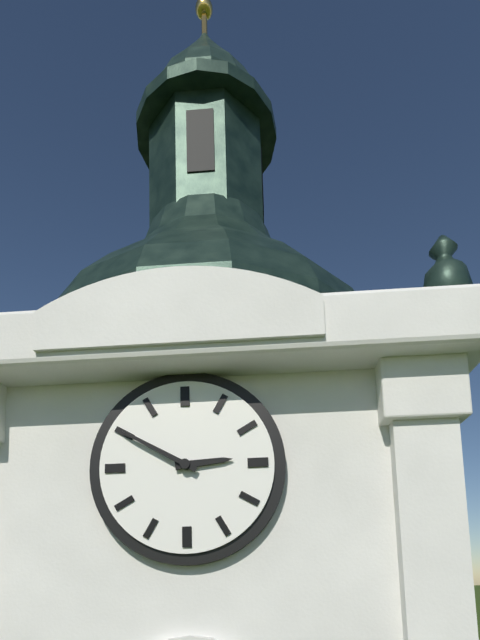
2:50
